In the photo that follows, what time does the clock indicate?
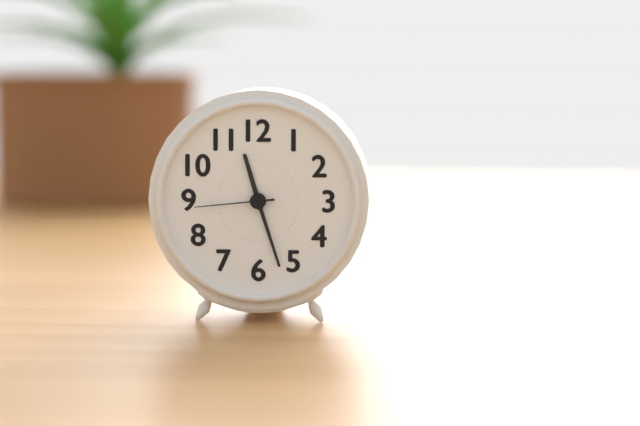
11:27:44
